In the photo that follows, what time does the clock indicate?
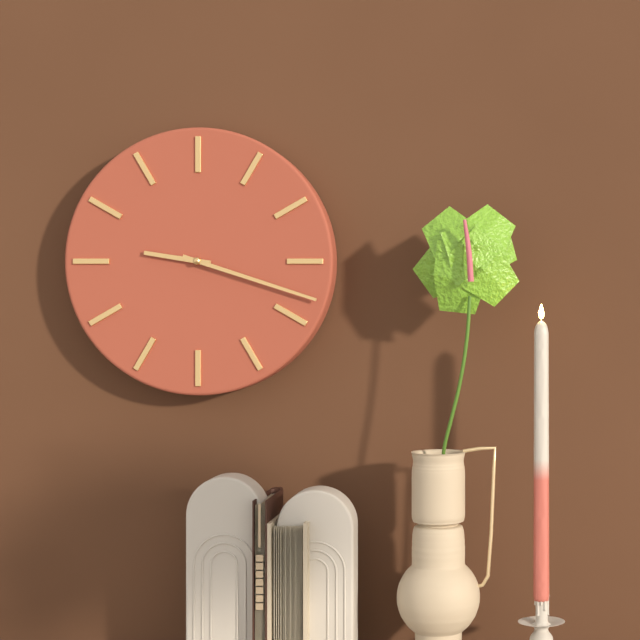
9:18
